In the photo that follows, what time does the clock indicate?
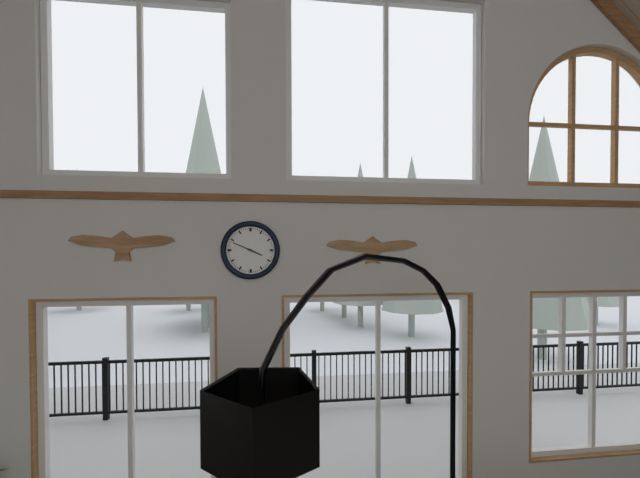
3:49
